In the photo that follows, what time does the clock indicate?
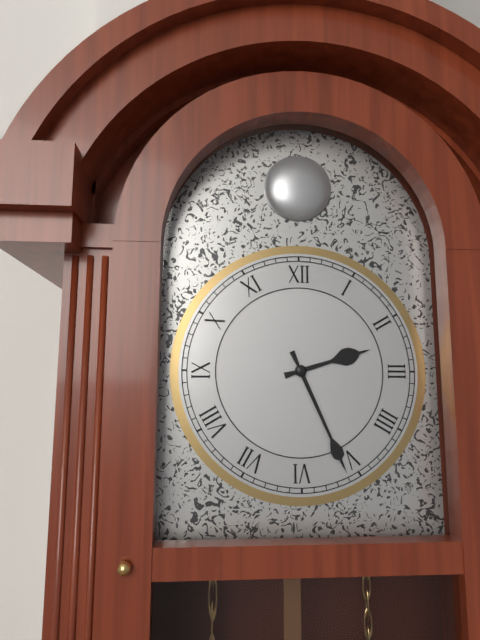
2:26
